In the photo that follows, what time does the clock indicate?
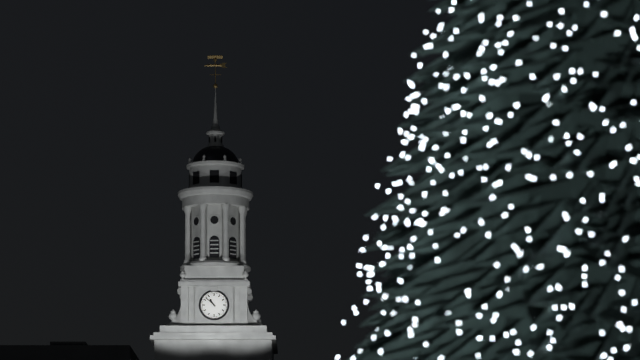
10:52
